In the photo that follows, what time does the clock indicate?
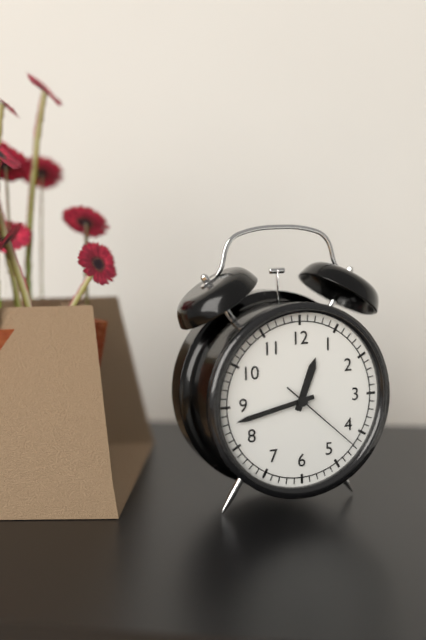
12:43:22
